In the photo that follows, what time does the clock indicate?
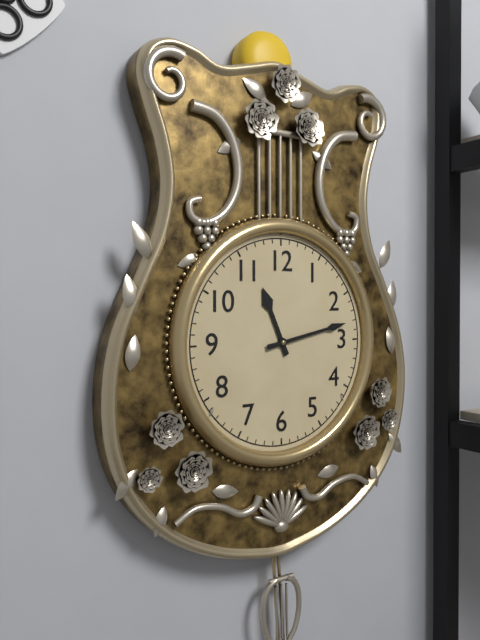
11:13
